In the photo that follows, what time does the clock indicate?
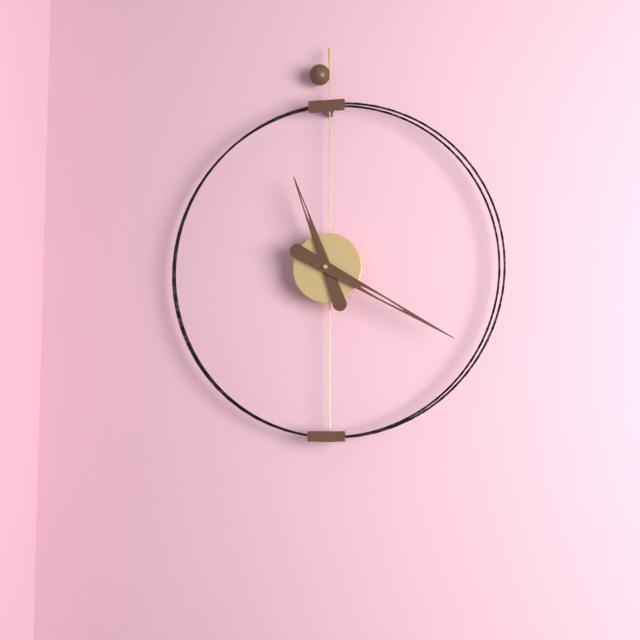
11:20
